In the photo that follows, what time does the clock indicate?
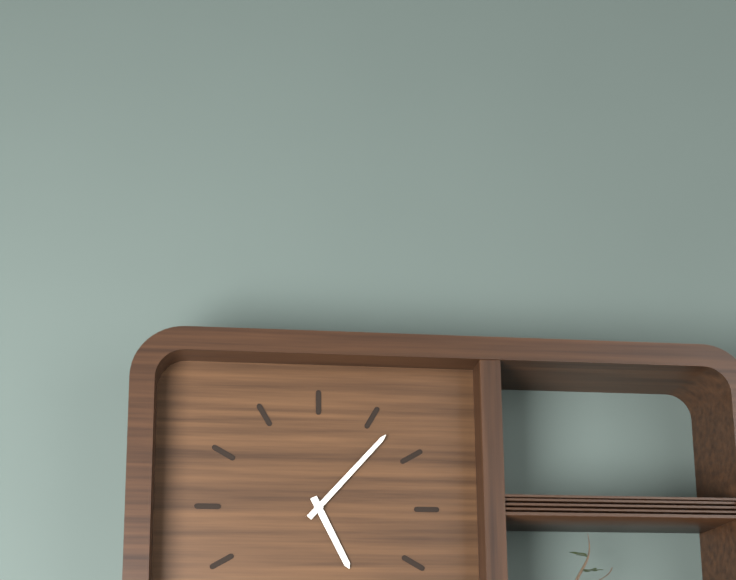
5:07
